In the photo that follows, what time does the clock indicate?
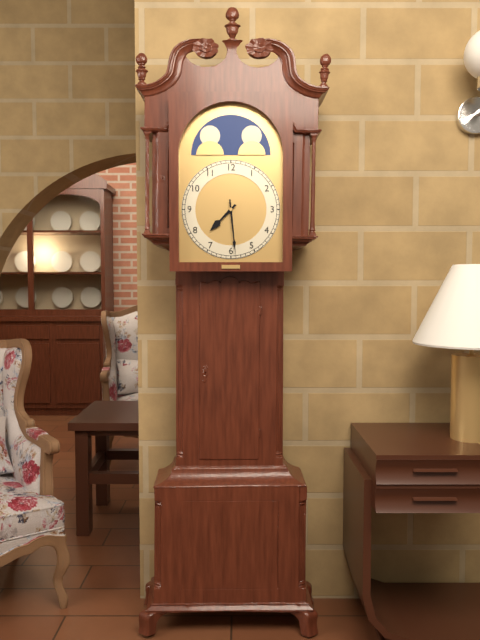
7:29
